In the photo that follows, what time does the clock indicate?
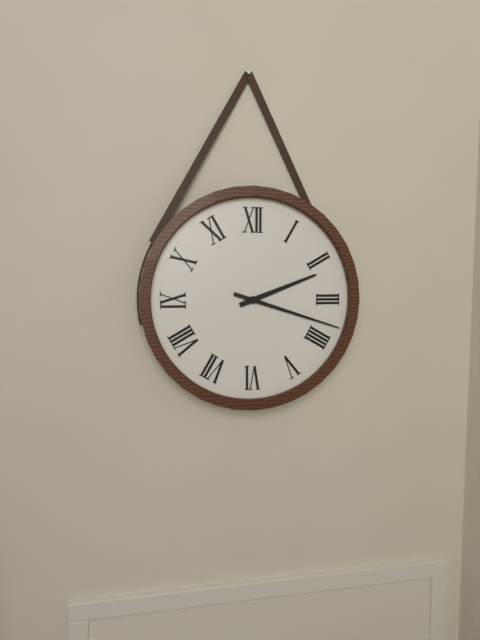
2:18
